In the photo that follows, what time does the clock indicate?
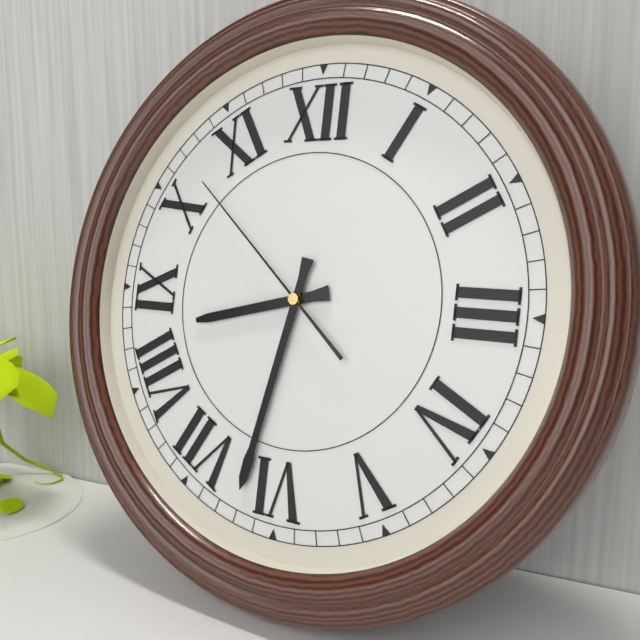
8:32:52
